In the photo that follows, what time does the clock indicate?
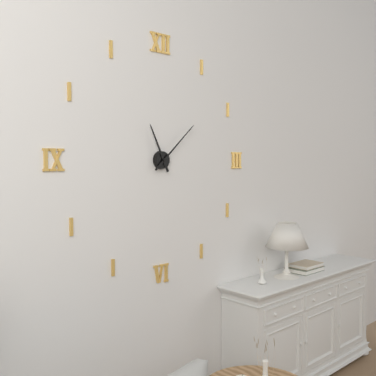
11:08
